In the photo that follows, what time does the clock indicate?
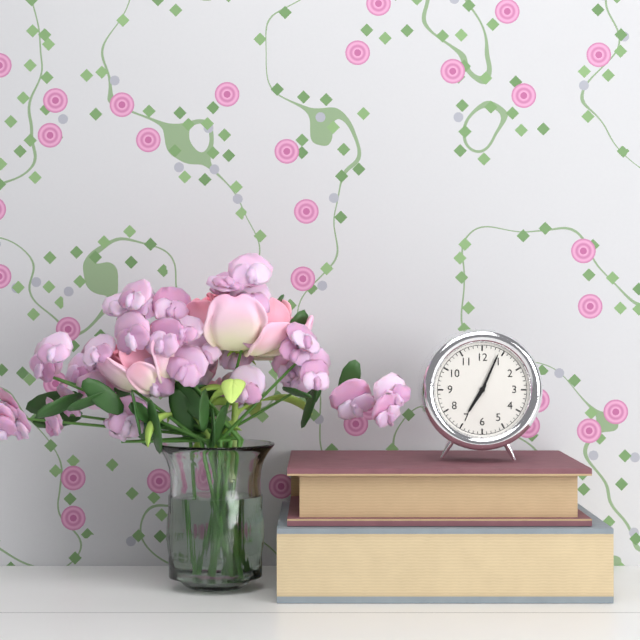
7:04
